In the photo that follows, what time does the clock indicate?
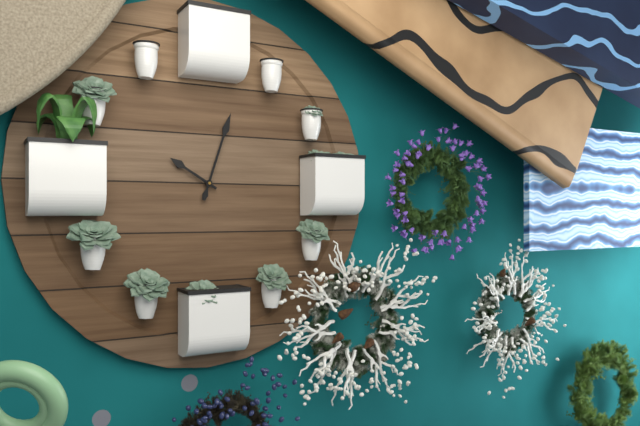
10:03
